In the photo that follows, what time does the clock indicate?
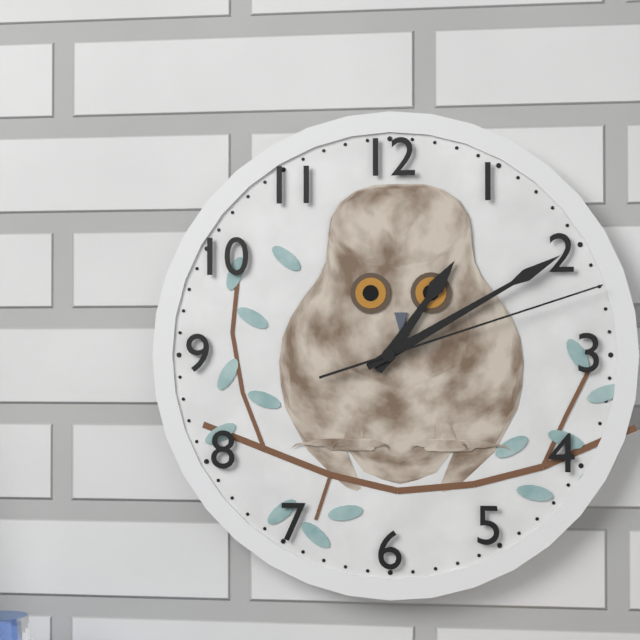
1:10:12
